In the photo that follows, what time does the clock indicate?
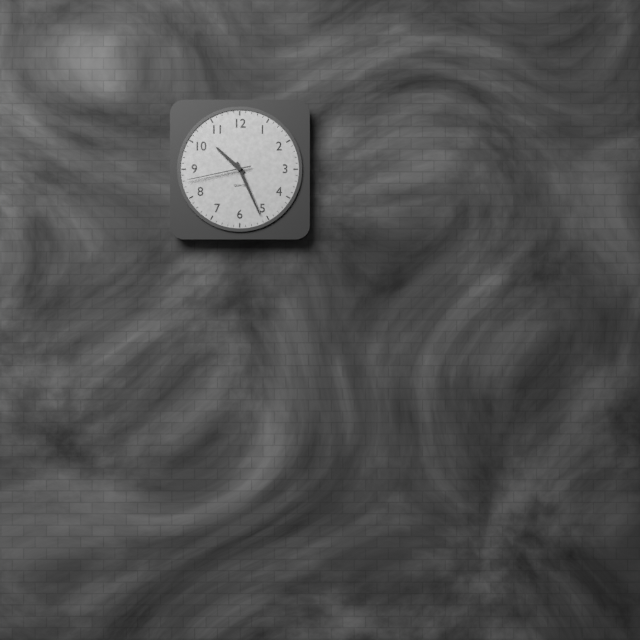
10:26:43
